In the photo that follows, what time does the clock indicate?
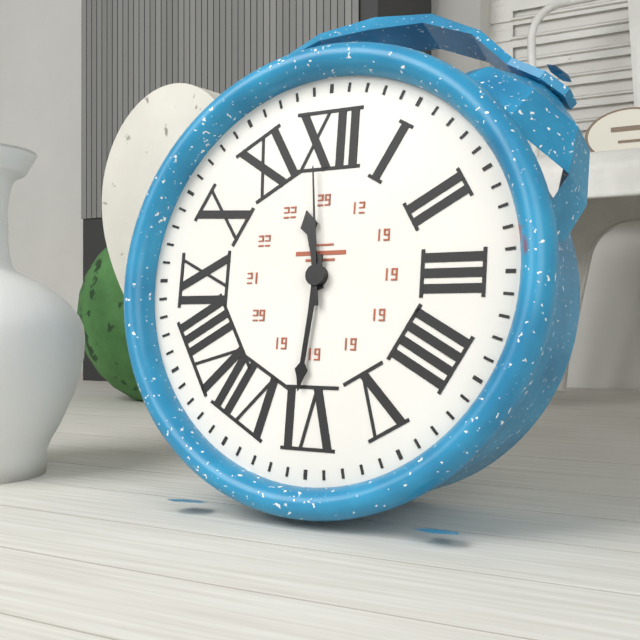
11:31:59
